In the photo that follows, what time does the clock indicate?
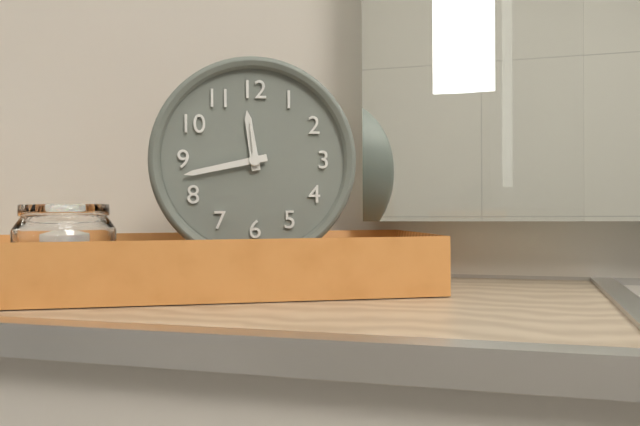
11:43
